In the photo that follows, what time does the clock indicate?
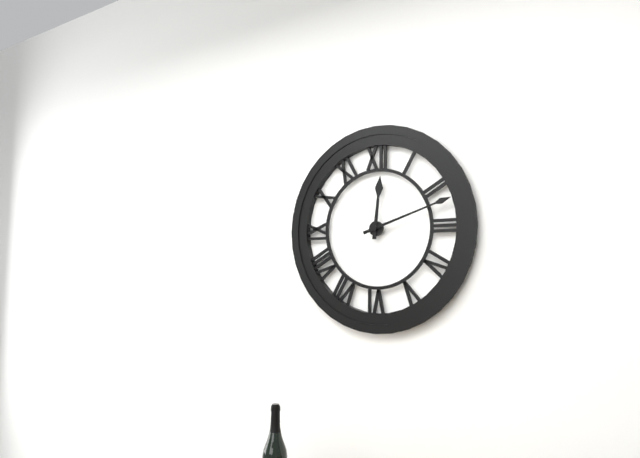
12:12
